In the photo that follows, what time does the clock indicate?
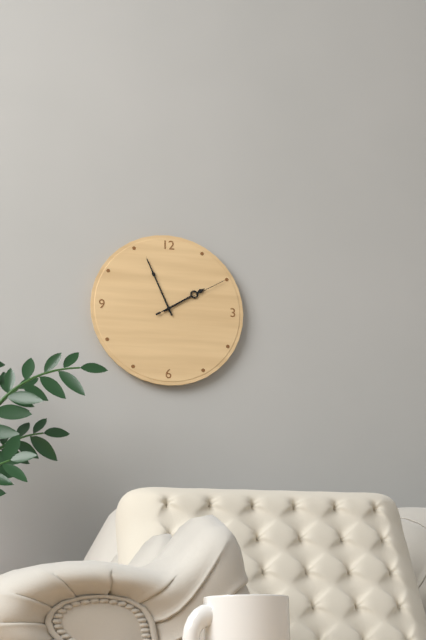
1:56:10
